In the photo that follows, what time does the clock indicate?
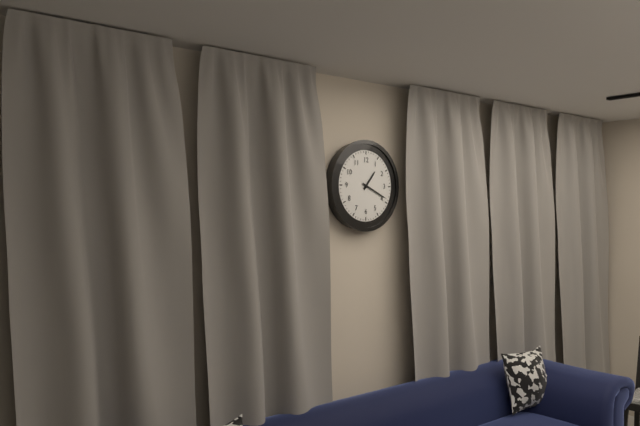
1:19
